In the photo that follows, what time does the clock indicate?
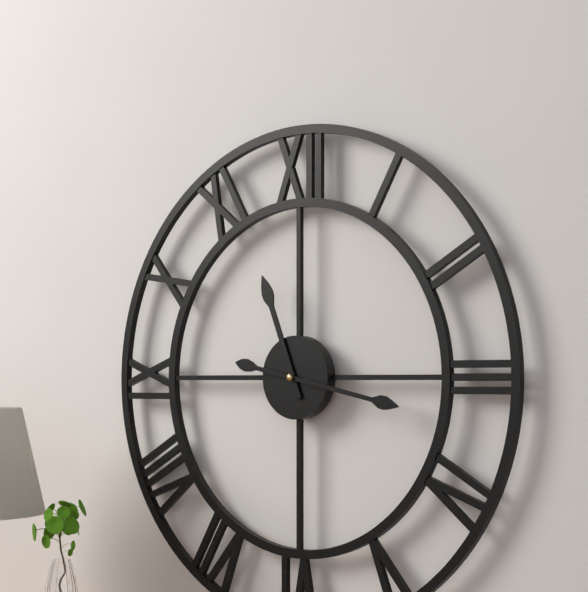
11:17
